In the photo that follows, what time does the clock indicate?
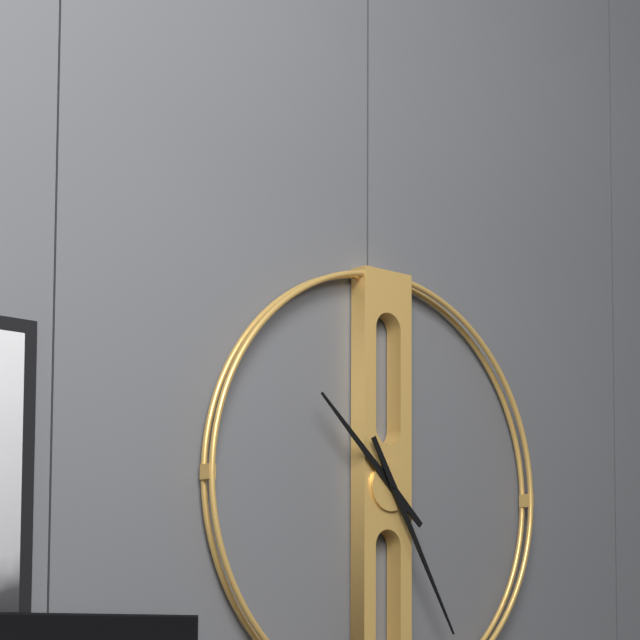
10:25
